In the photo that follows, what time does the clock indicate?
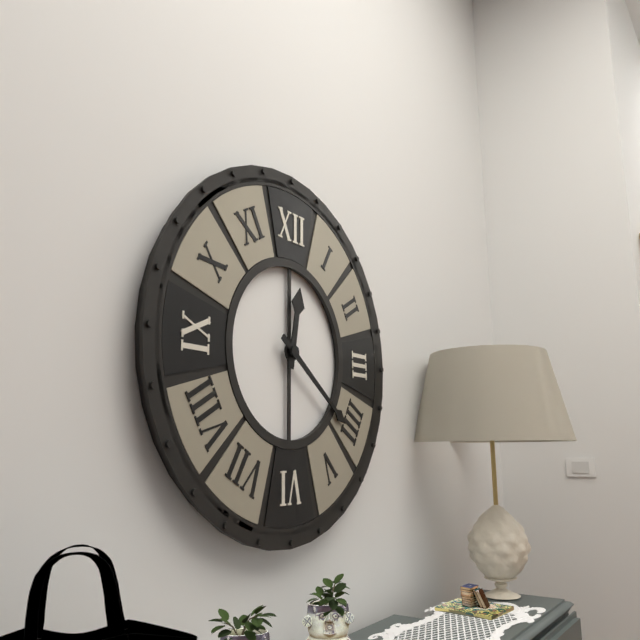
12:21
